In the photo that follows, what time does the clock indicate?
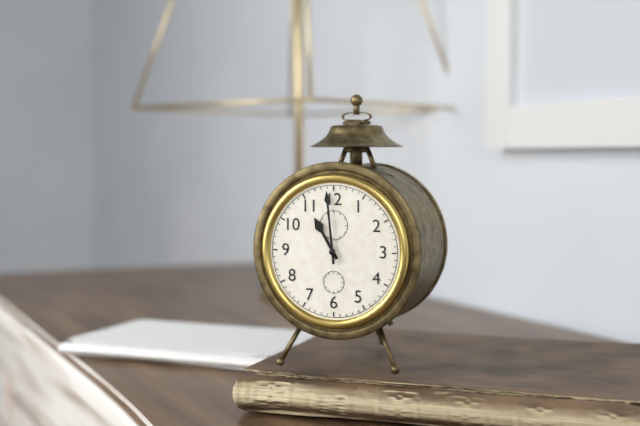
10:59
